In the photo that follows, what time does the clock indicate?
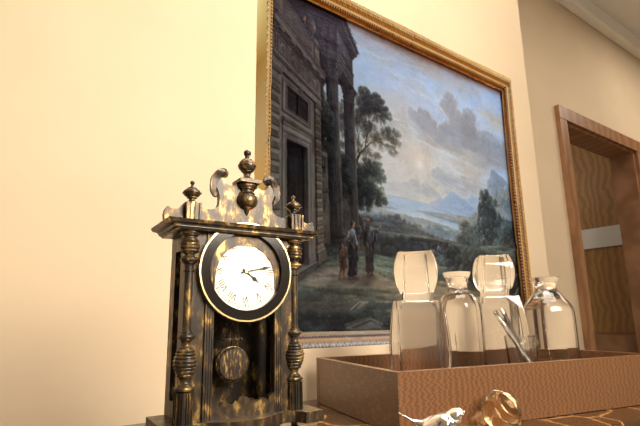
4:13
